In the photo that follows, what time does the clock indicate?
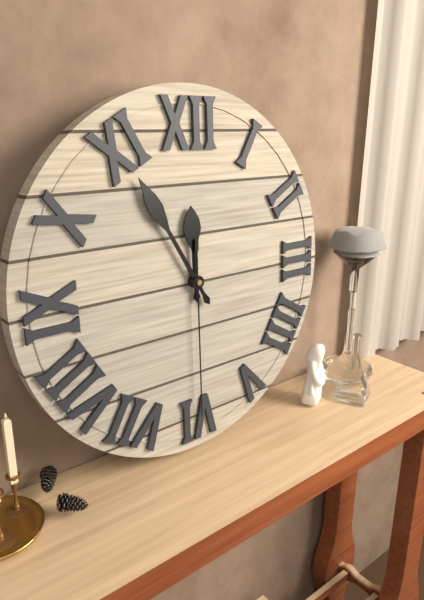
11:55:30
